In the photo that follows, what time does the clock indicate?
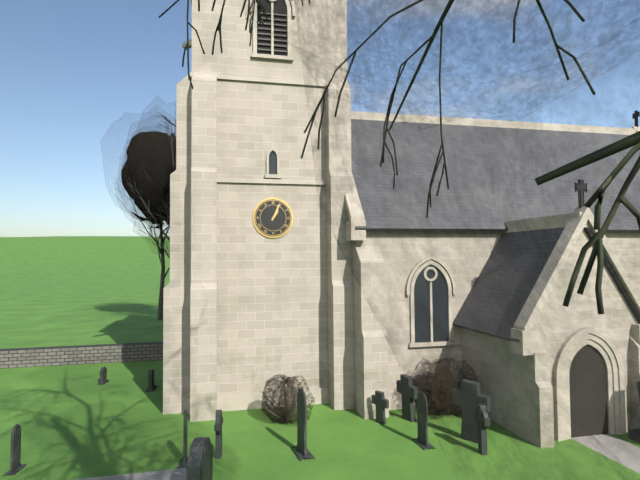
1:04
